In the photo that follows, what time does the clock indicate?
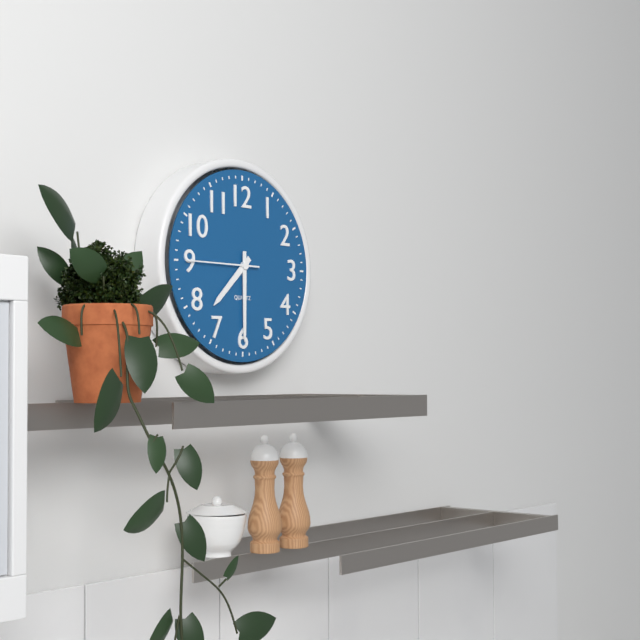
7:30:45
